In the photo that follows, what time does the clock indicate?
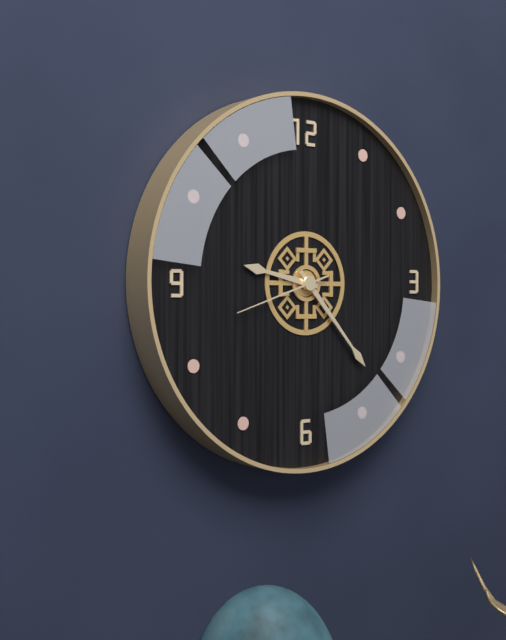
9:23:42
